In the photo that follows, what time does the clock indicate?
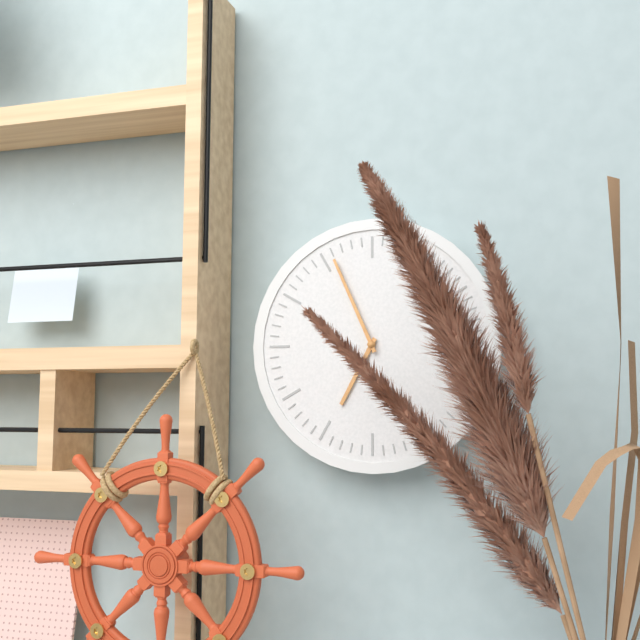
6:56
